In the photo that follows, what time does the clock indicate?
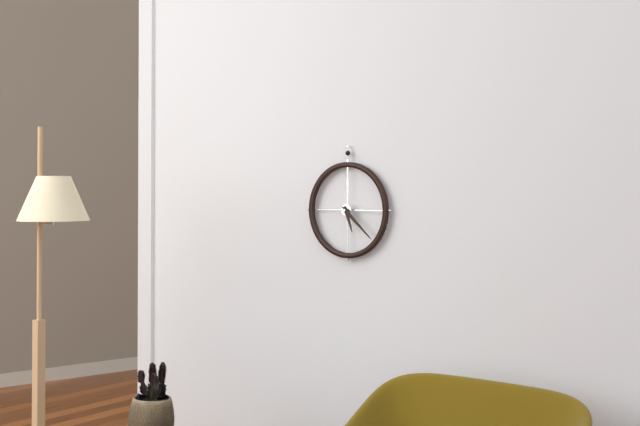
5:22
